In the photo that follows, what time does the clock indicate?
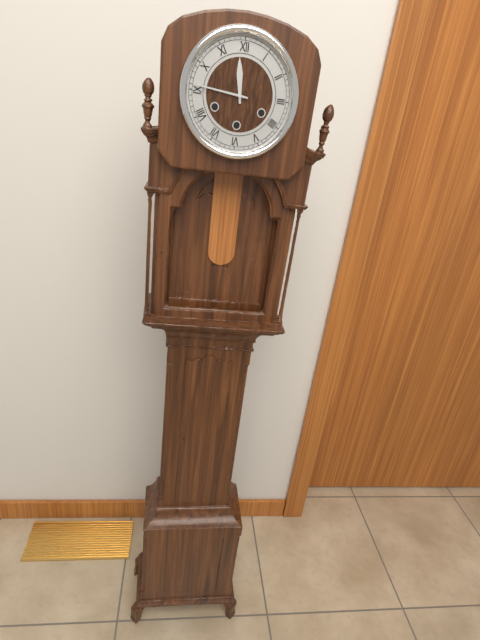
11:46
